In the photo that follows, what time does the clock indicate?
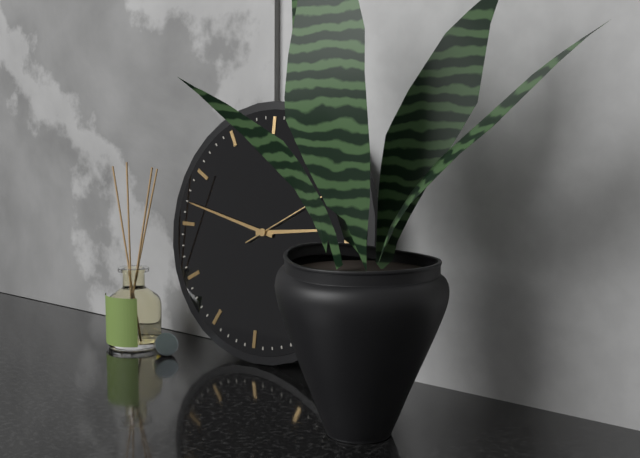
2:47
